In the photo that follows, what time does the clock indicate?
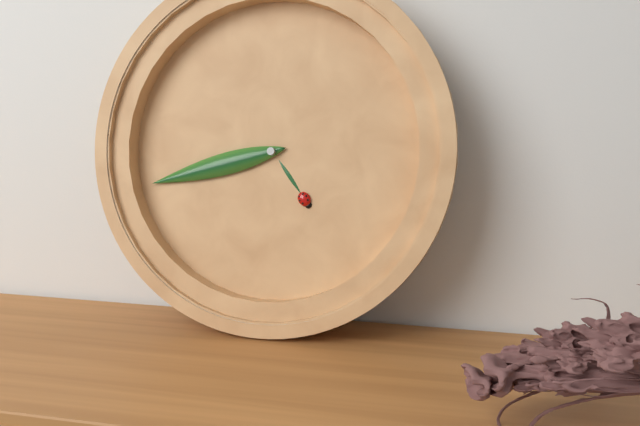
4:42
